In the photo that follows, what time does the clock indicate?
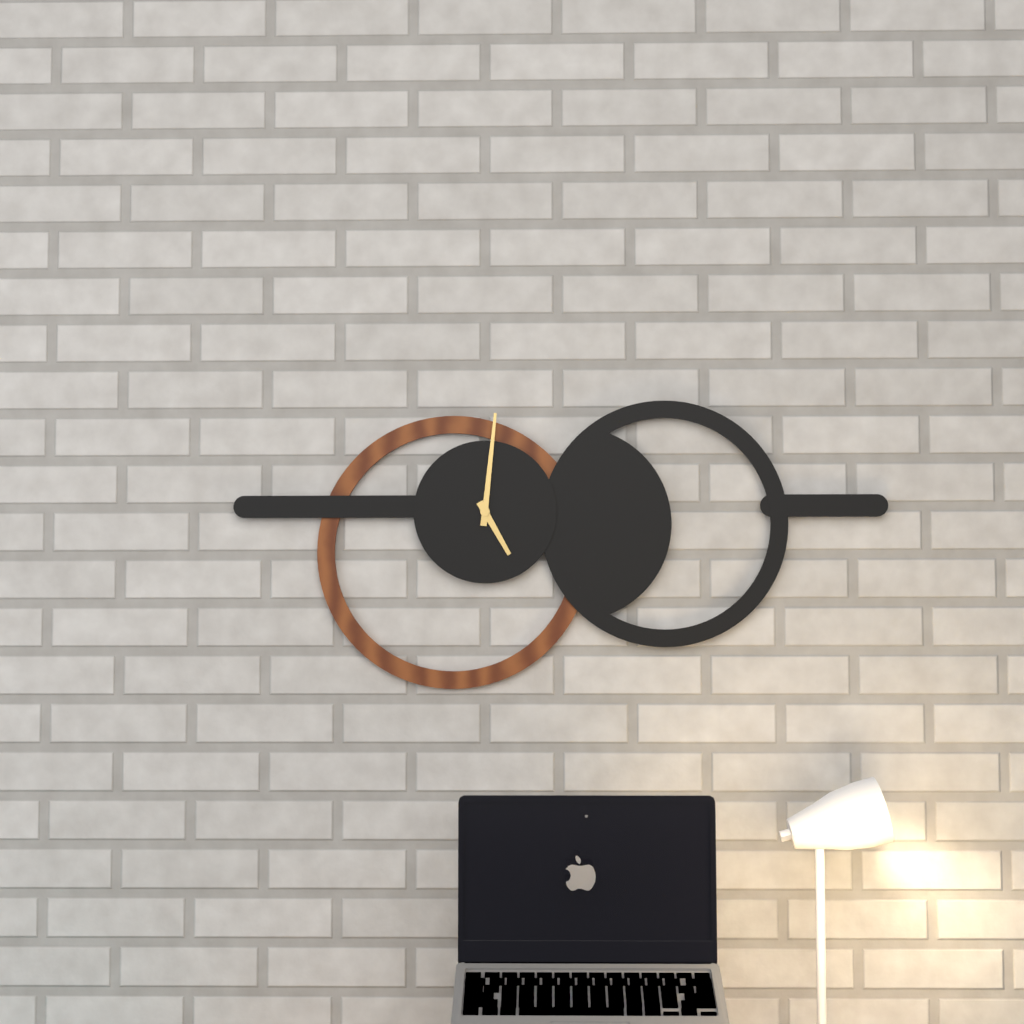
5:01
